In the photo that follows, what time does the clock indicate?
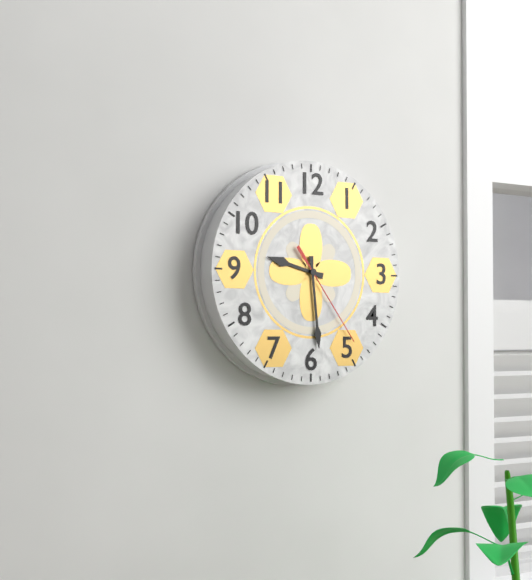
9:29:24
